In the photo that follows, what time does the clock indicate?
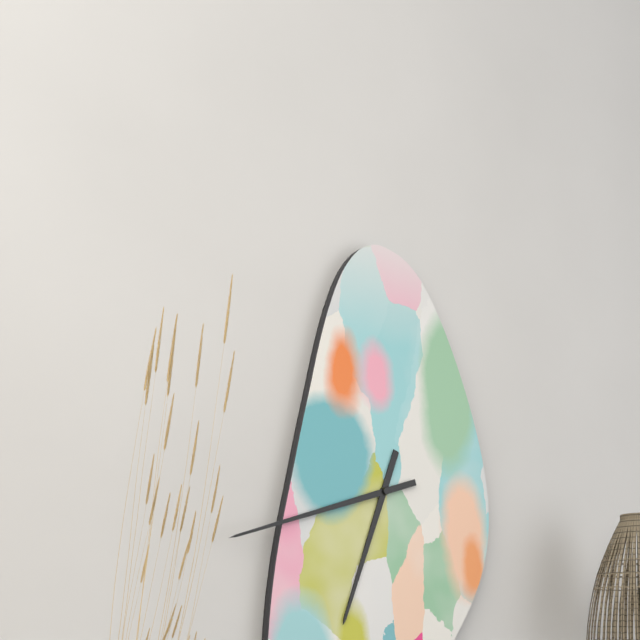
6:42
